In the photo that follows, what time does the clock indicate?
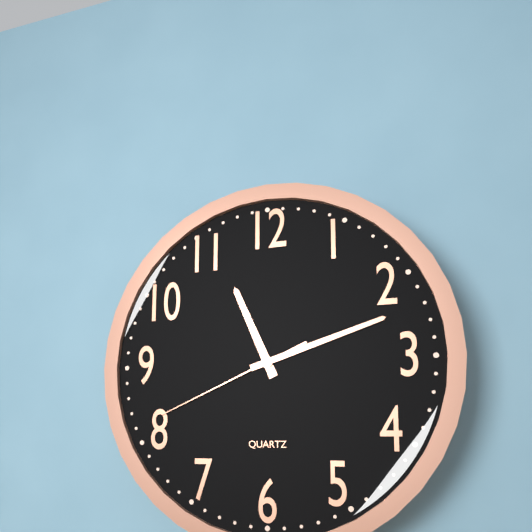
11:12:41
